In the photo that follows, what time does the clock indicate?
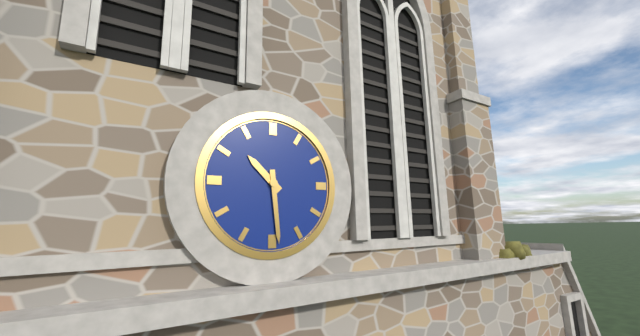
10:29
